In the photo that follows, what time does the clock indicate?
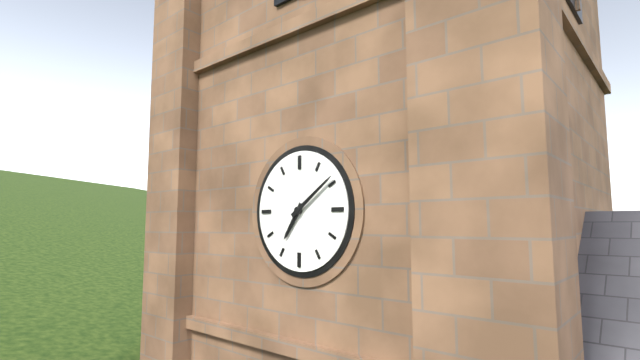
7:09
